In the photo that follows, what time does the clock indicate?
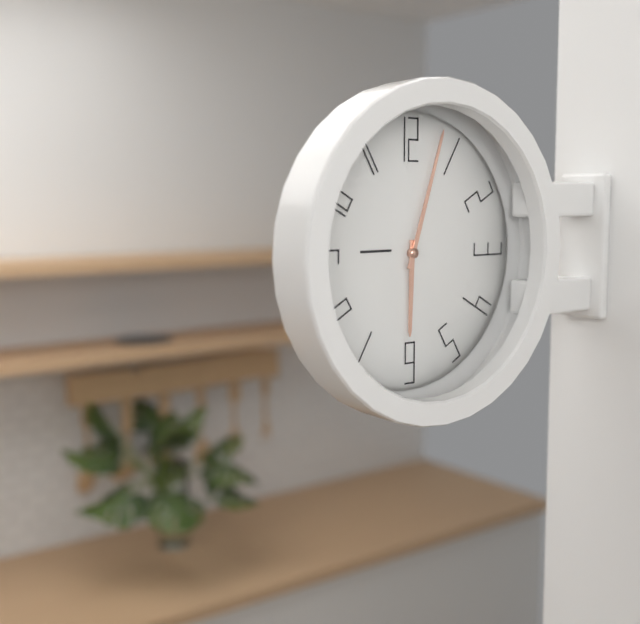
6:03
